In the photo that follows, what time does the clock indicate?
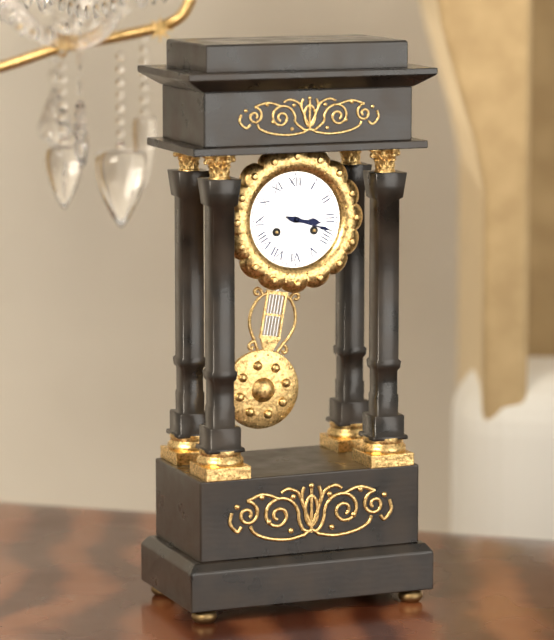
3:18
